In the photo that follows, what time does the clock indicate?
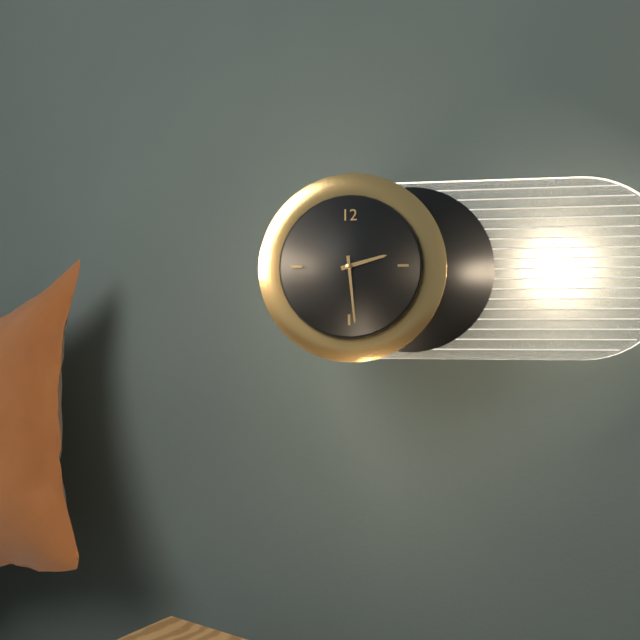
2:29
